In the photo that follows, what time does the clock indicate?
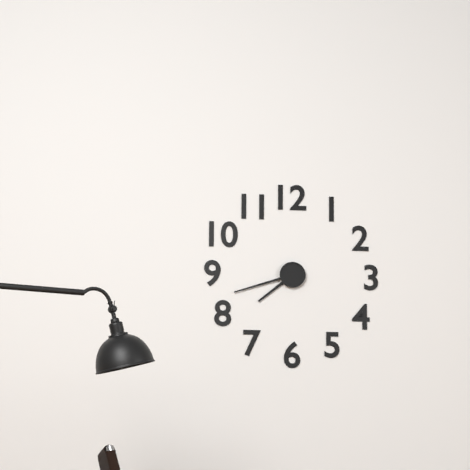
7:42
